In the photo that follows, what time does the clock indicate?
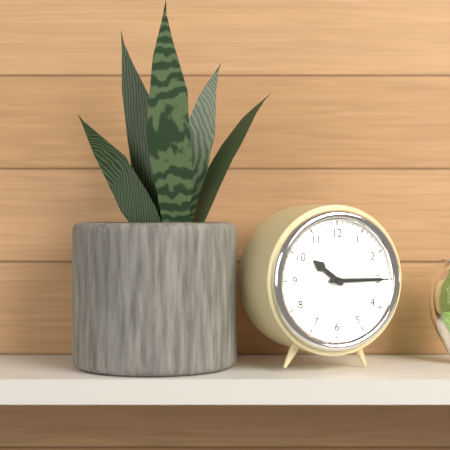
10:15
